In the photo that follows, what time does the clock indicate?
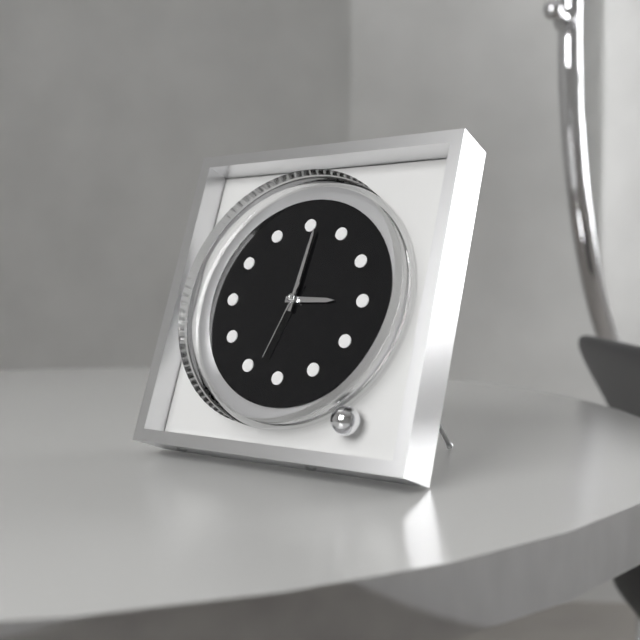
3:01:33
